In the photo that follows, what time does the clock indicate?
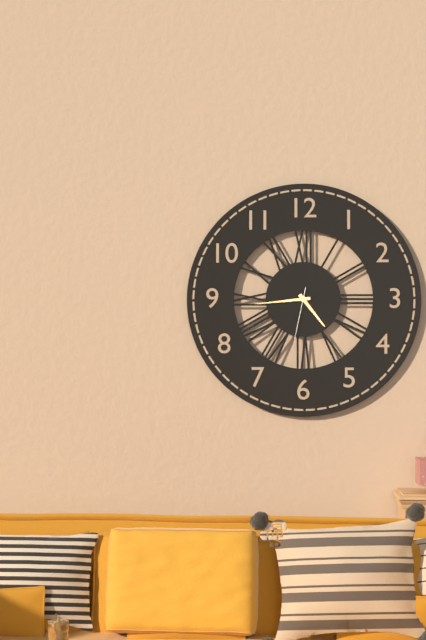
4:44:32
